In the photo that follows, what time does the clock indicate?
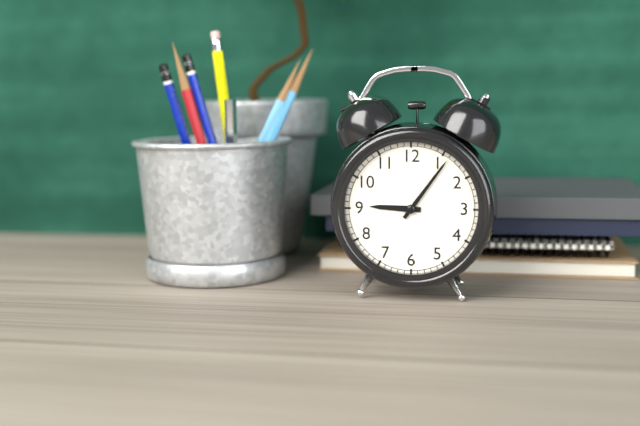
9:06
